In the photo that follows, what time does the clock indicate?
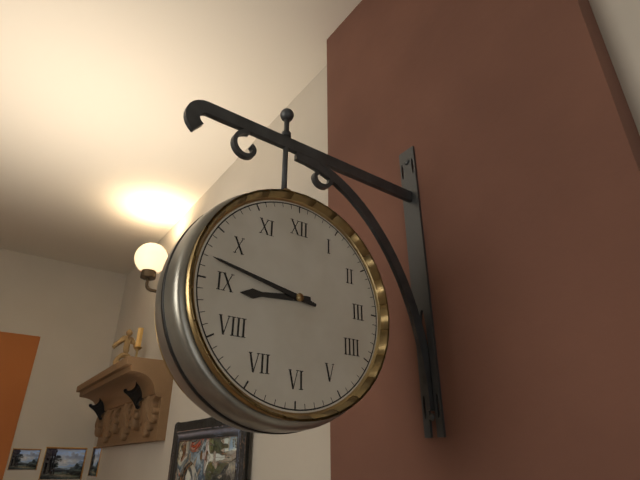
8:47
